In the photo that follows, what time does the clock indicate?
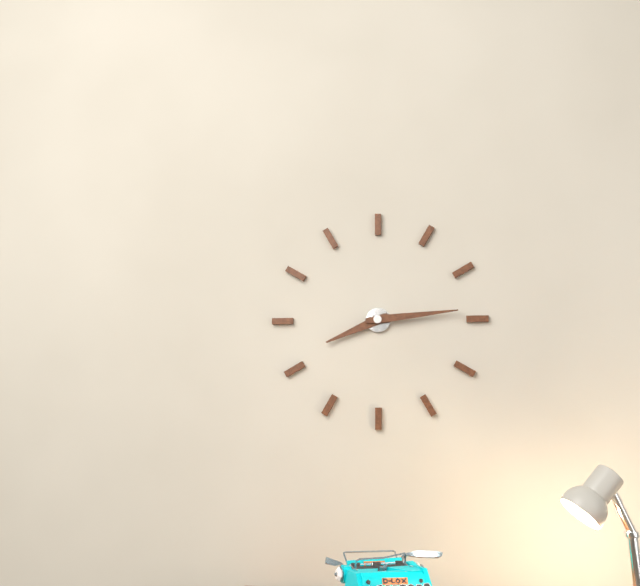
8:14
